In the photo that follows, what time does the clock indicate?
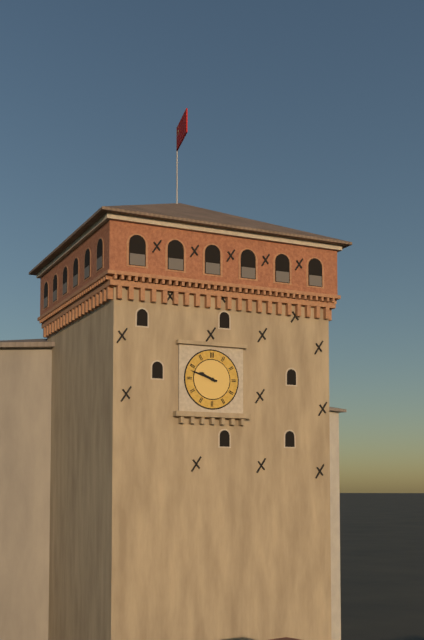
9:48
